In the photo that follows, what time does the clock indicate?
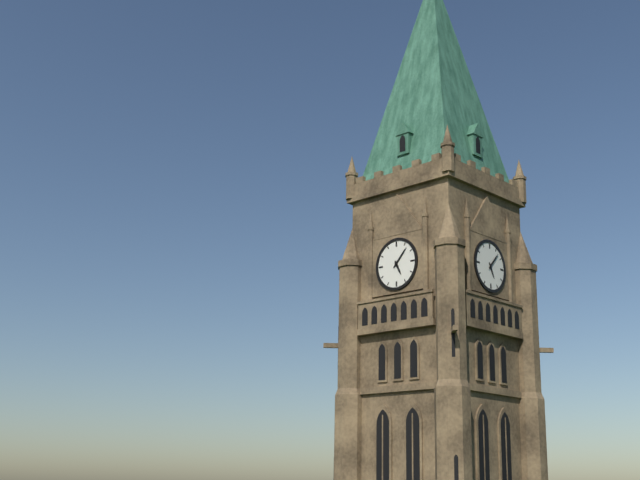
5:07
